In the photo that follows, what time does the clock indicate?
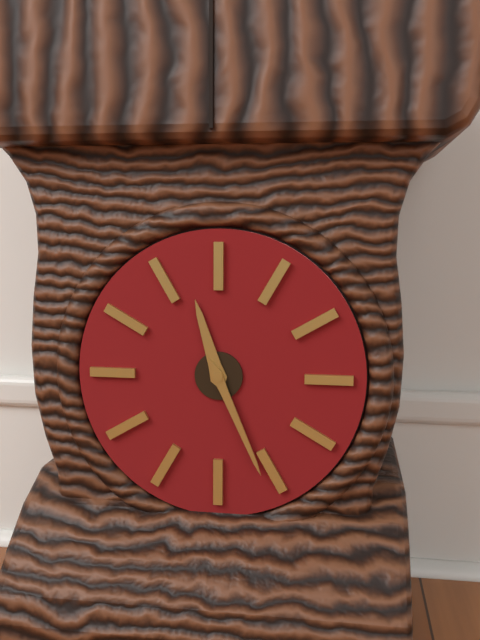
11:26
